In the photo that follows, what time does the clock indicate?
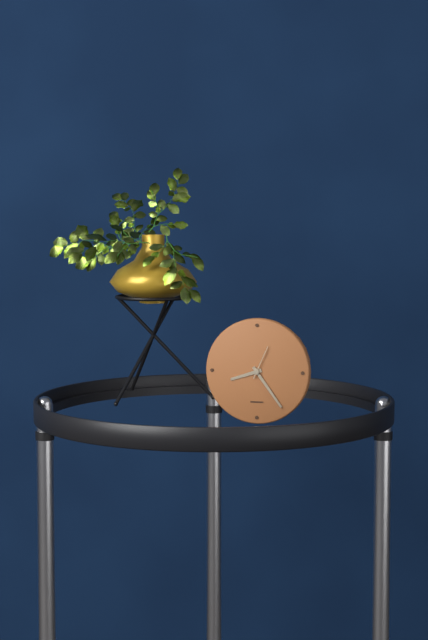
8:24
